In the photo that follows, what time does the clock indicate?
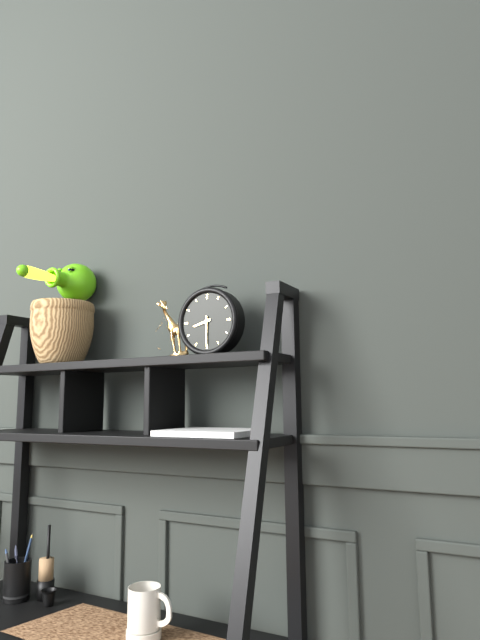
8:30
